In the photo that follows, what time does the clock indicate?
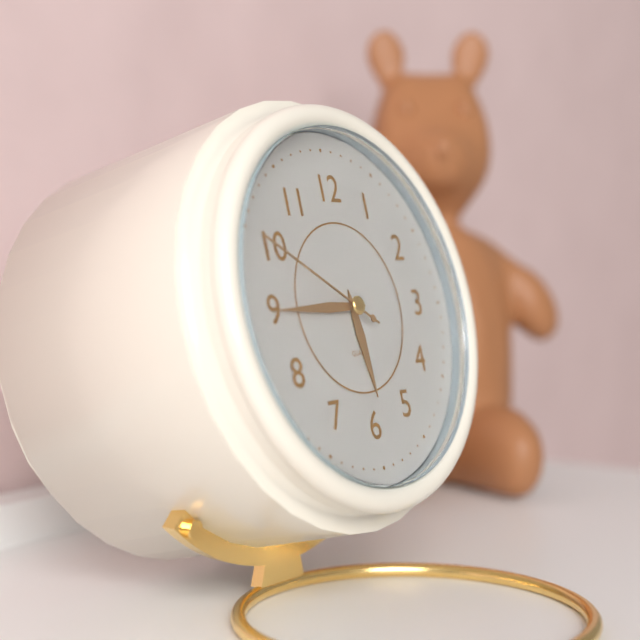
5:45:50
